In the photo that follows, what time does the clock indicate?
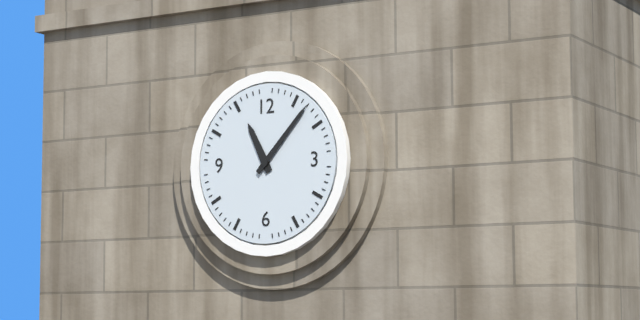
11:07
